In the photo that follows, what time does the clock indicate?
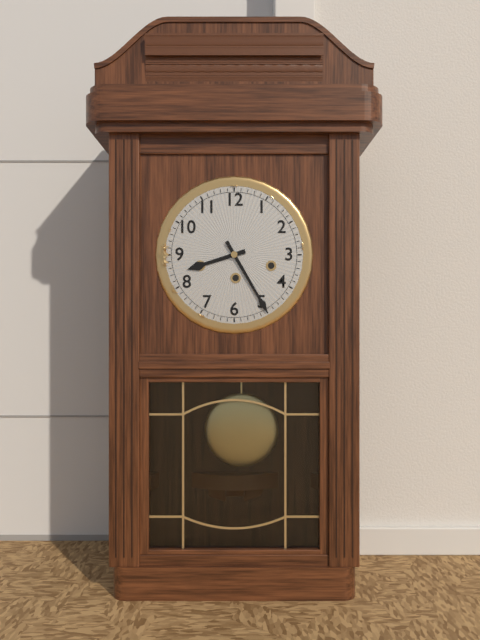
8:25
